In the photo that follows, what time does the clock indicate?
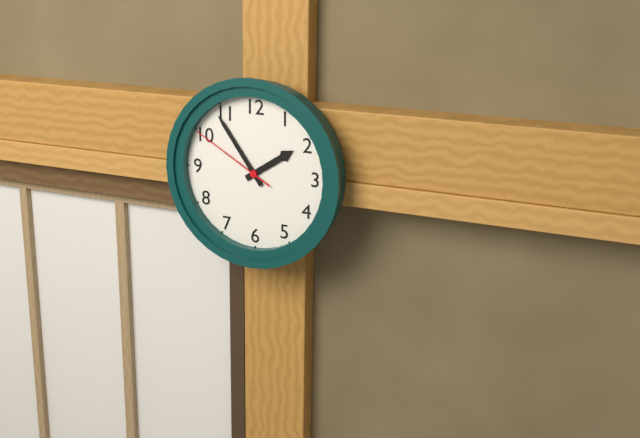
1:54:50
